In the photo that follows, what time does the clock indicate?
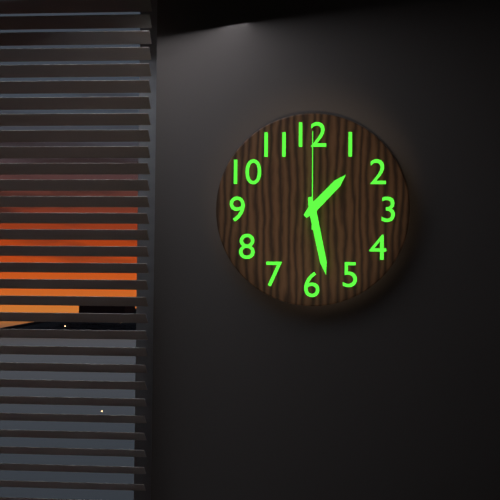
1:28:00
